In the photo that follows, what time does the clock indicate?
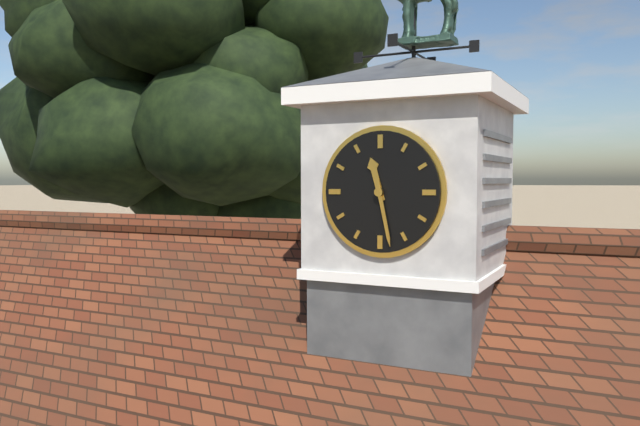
11:28
